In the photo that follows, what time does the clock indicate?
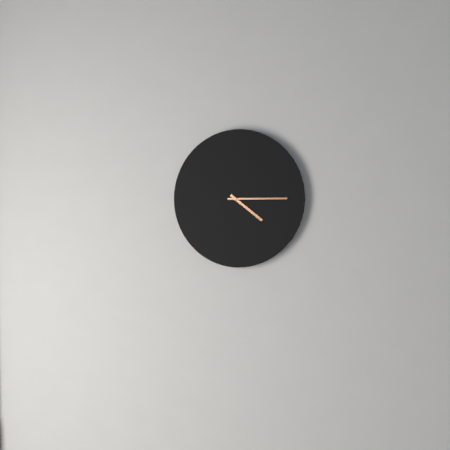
4:15
